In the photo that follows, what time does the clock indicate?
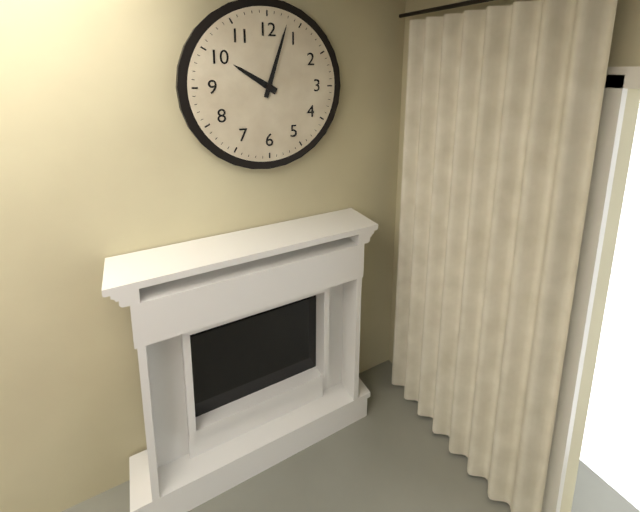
10:03
